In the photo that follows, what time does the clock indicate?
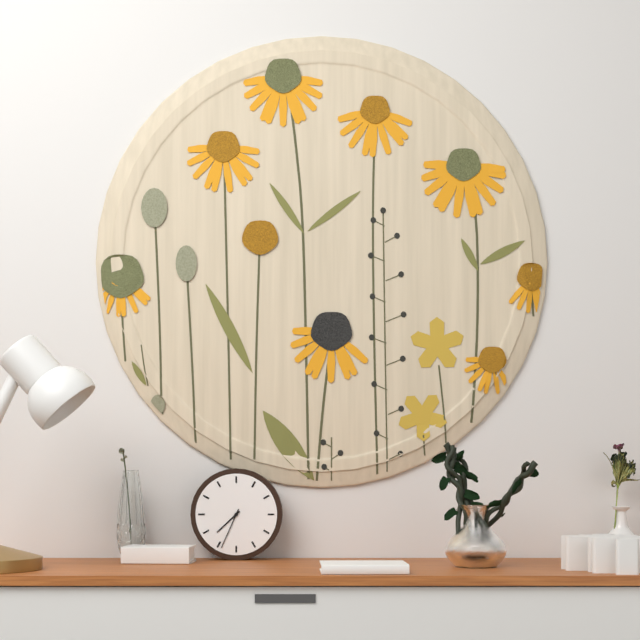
7:34
